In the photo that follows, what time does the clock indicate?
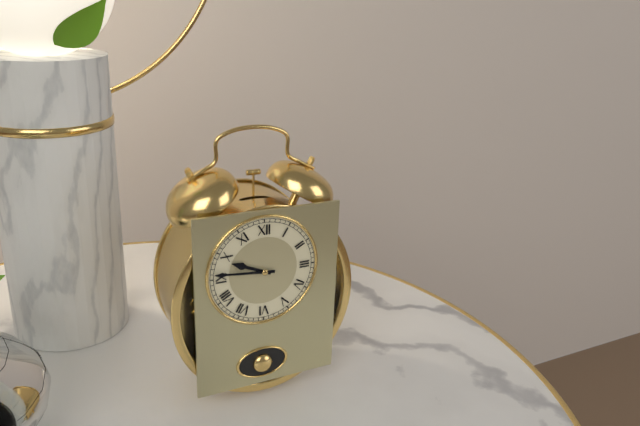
9:46
